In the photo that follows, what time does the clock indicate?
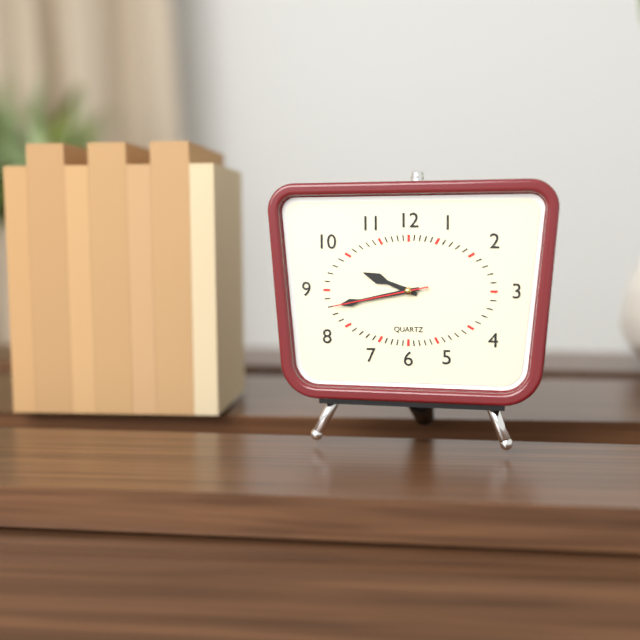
9:43:43
